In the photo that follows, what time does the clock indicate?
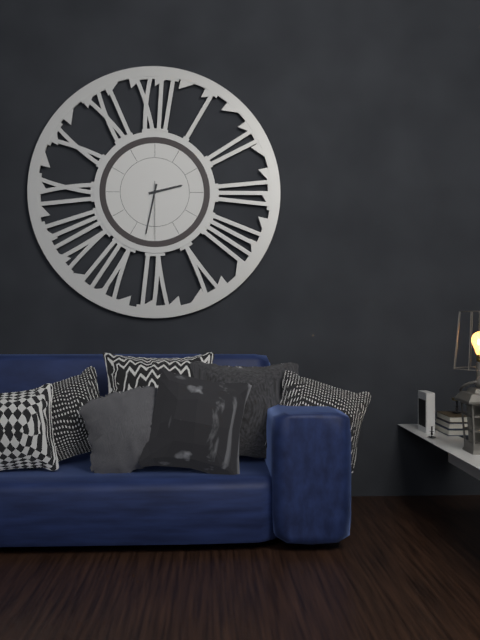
2:32:30
